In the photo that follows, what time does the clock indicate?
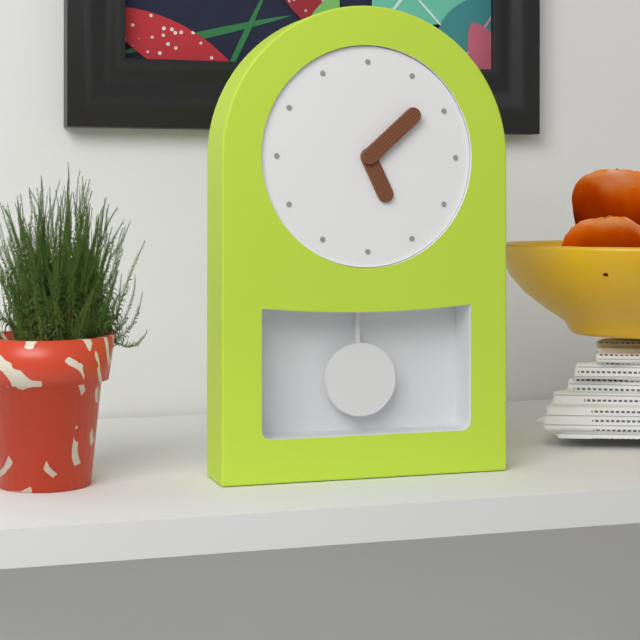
5:08
